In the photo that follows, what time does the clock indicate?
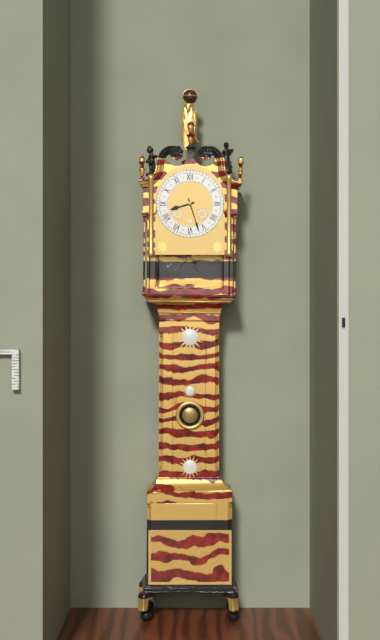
8:27
